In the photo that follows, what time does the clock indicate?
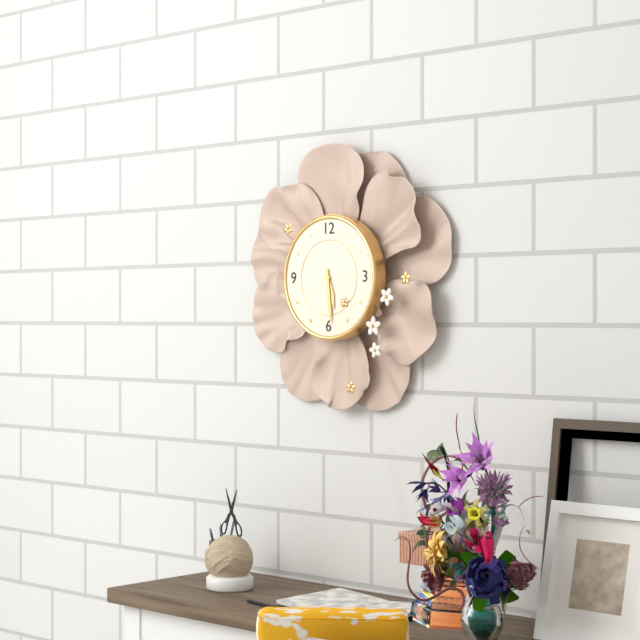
5:29
